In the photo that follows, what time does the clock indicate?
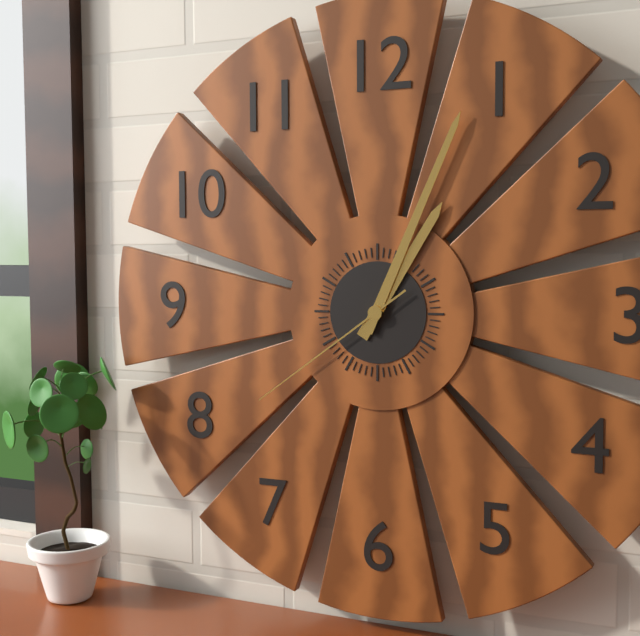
1:04:39
